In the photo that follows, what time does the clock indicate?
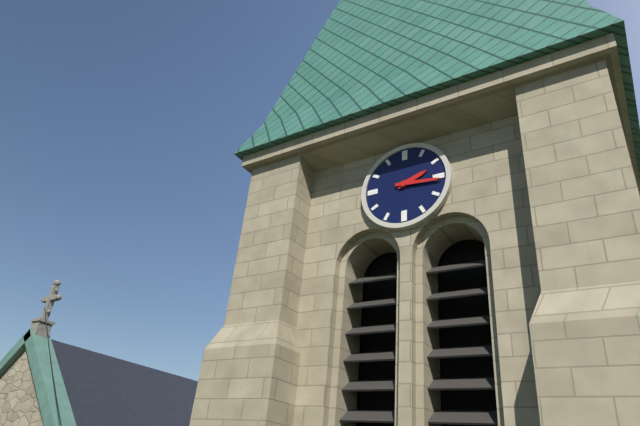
2:16
